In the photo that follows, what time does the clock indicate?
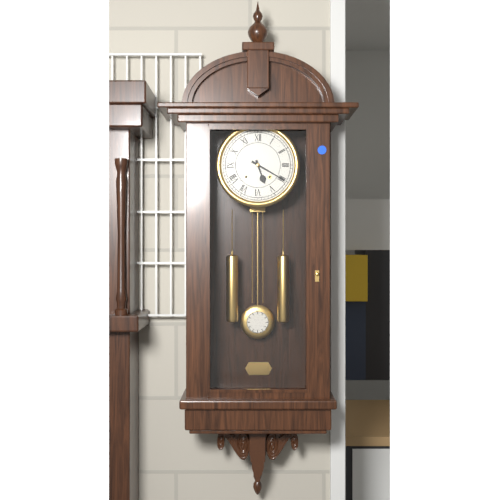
5:20
